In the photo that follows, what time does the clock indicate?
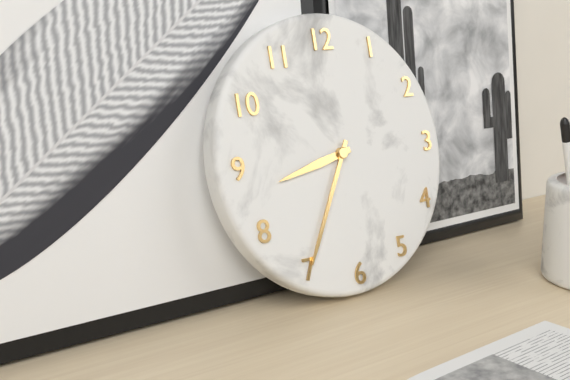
8:35
